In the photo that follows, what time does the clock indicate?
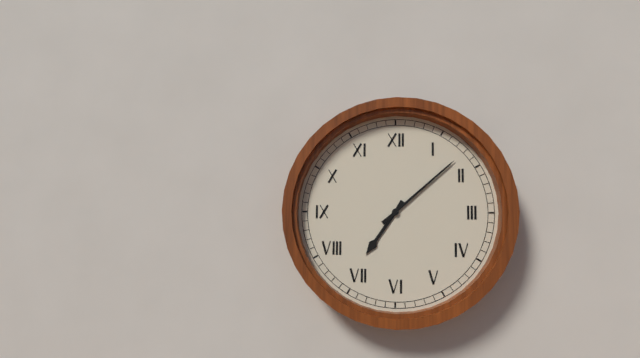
7:08
